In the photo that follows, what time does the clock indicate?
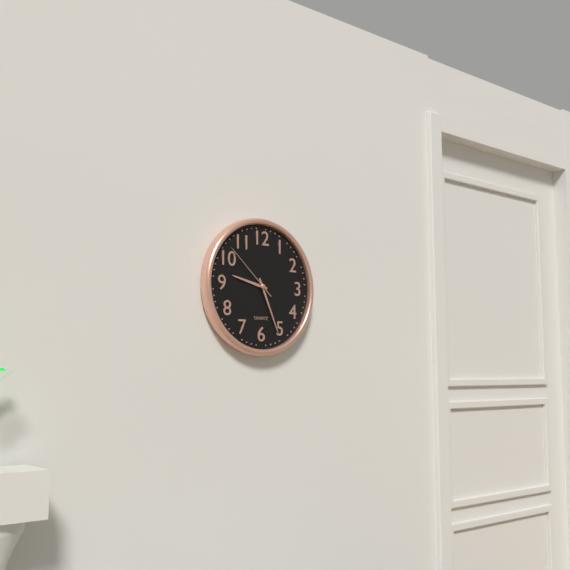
9:26:52
